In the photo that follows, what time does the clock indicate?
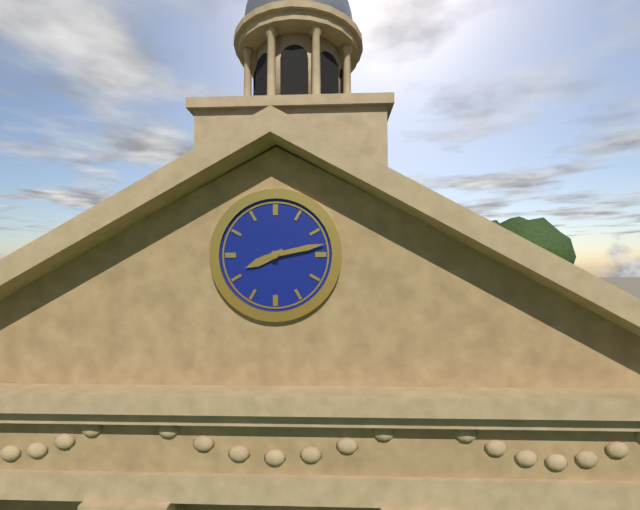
8:13
